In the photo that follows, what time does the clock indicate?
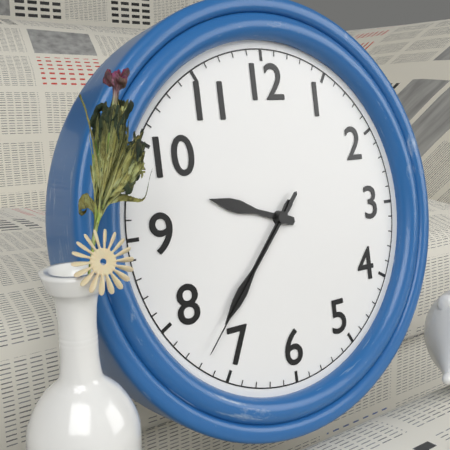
9:37:37
